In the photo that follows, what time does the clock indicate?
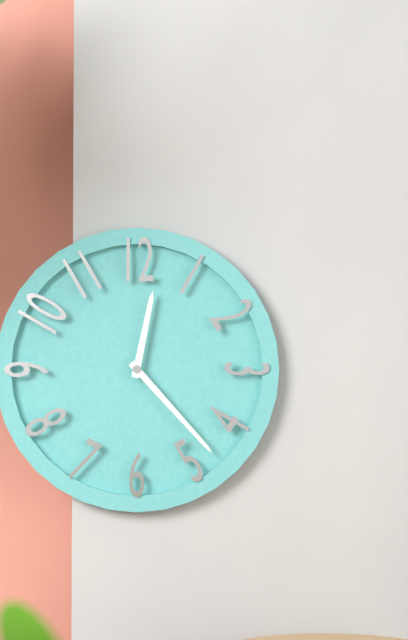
12:23
